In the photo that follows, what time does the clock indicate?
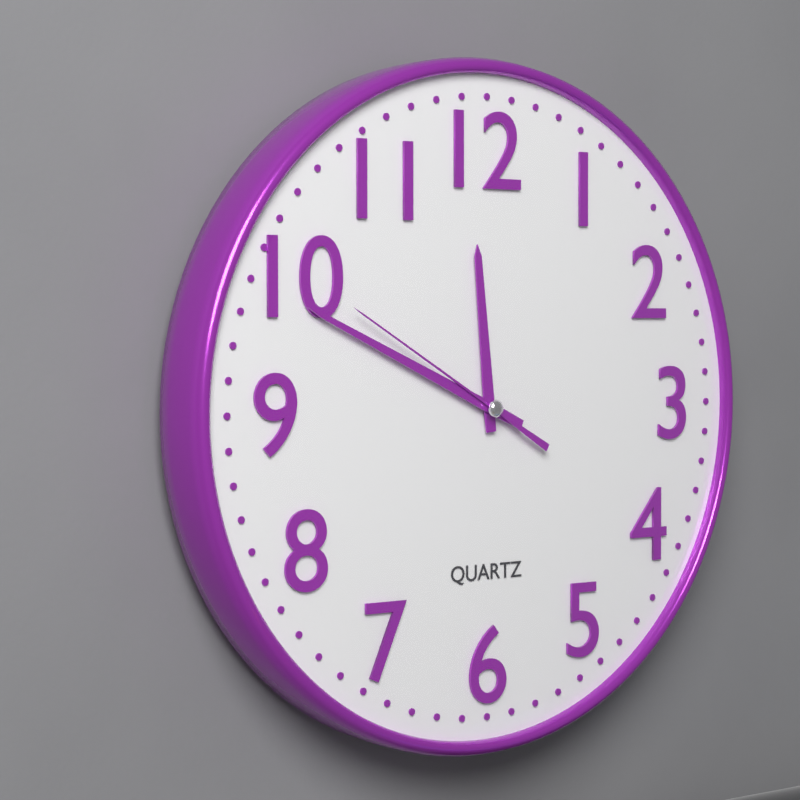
11:49:50
